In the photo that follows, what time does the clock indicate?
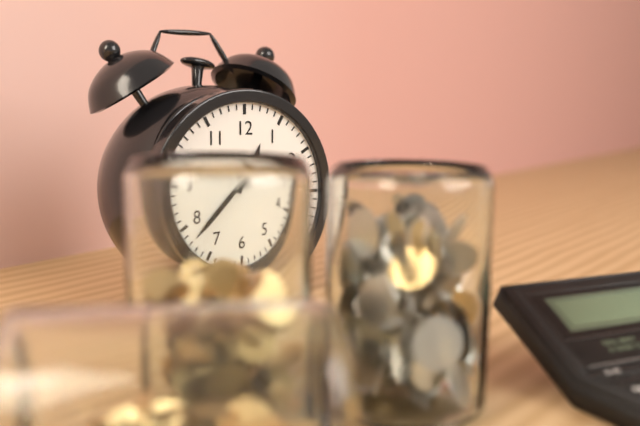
12:38
